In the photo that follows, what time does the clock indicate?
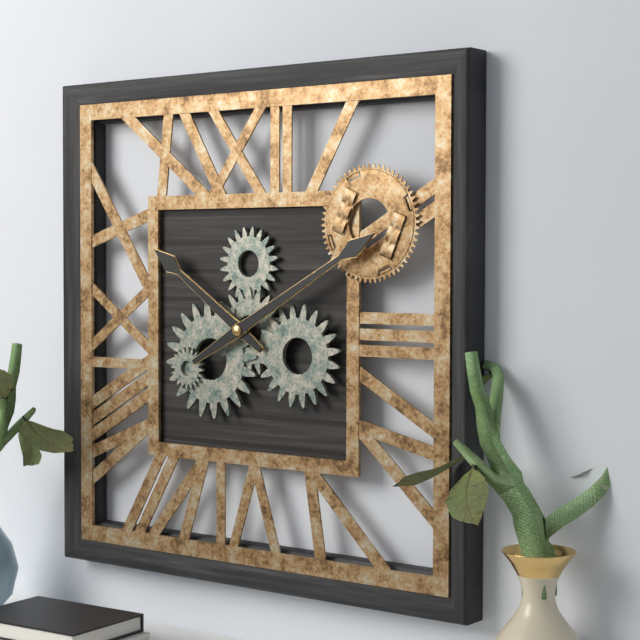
10:10
